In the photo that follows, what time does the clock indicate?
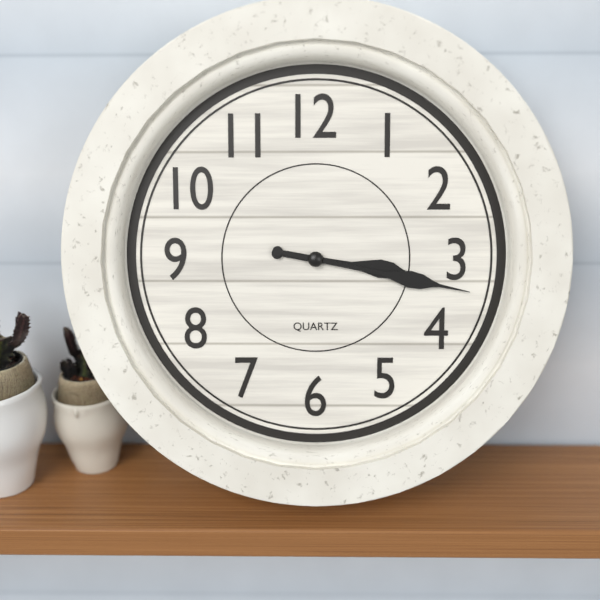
3:17
